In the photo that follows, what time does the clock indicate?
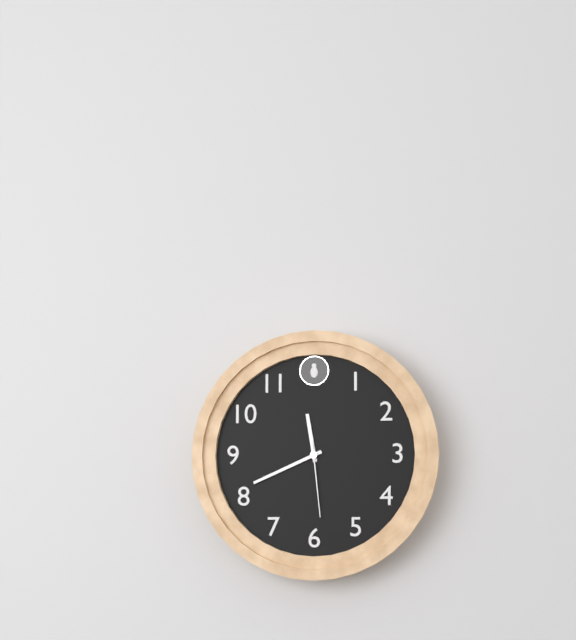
11:41:29
